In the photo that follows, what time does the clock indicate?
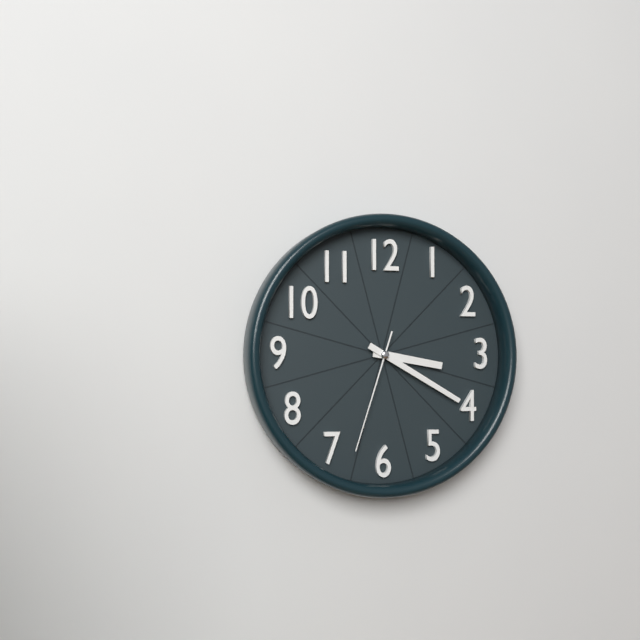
3:20:33
